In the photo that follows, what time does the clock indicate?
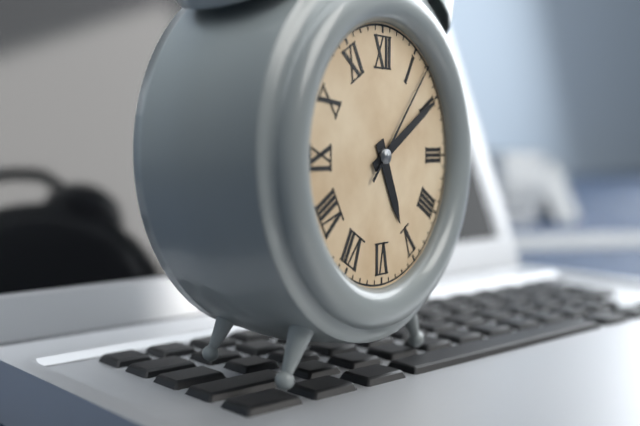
5:10:07
